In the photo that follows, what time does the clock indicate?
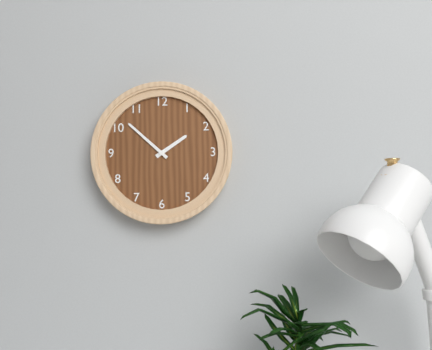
1:52
